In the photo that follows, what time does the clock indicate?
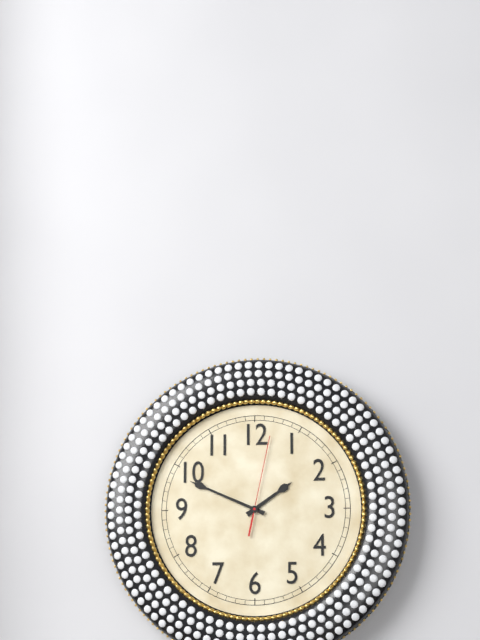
1:49:02
